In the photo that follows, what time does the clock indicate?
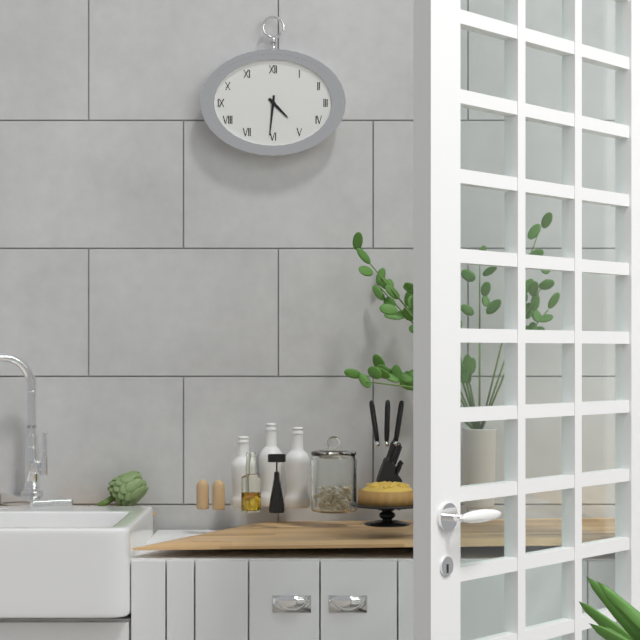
4:31
